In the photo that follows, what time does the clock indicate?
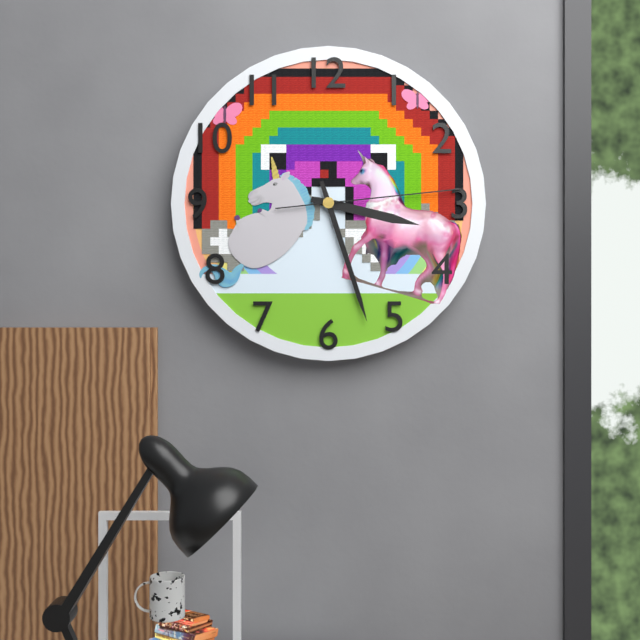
3:27:14
